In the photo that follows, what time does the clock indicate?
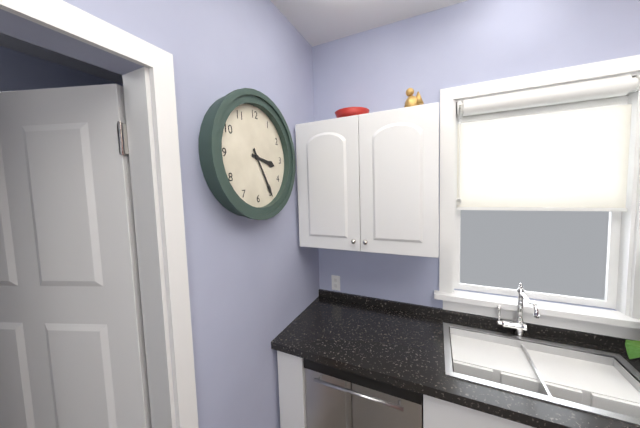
3:25
